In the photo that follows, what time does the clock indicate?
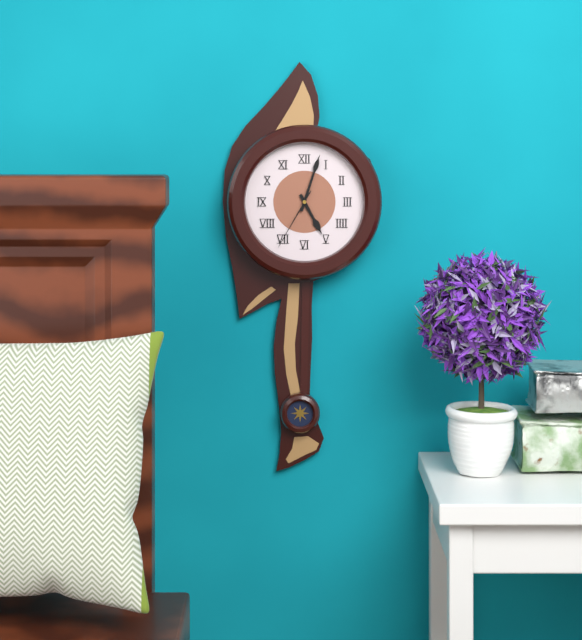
5:03:35
